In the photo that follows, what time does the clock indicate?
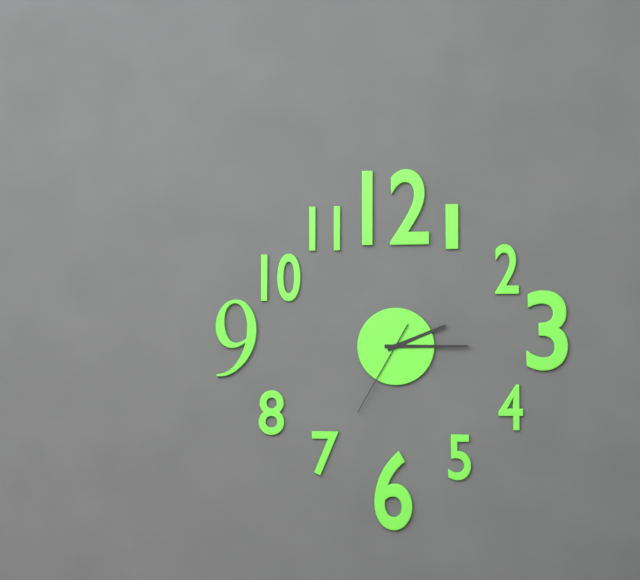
2:15:35
